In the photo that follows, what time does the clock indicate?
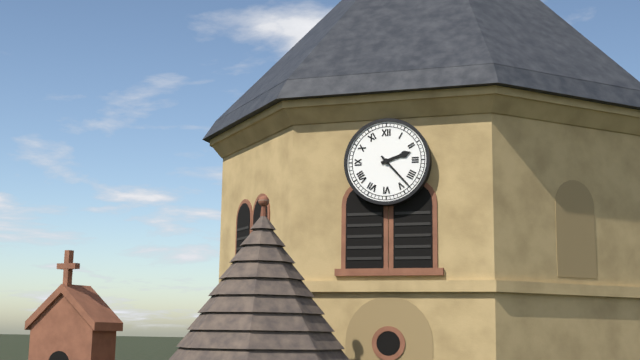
2:23
